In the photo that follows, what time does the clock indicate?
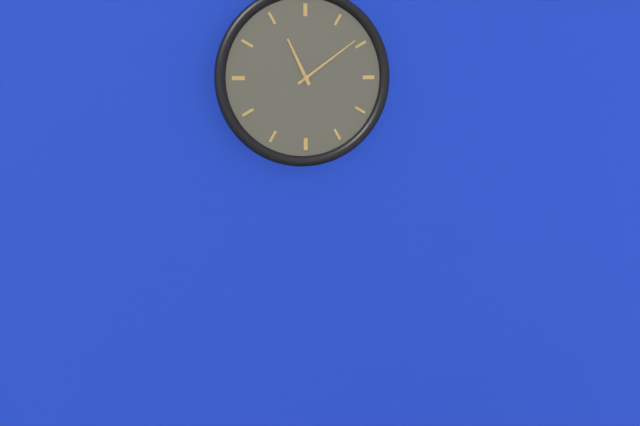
11:09
